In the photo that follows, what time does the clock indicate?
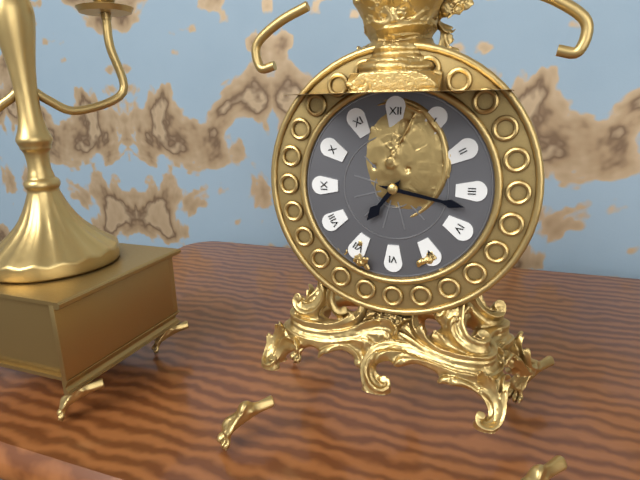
7:17
